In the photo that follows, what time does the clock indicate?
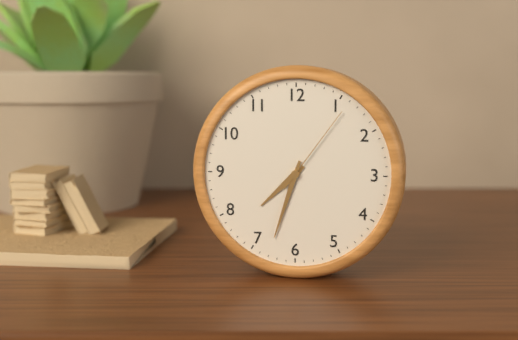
7:33:06
